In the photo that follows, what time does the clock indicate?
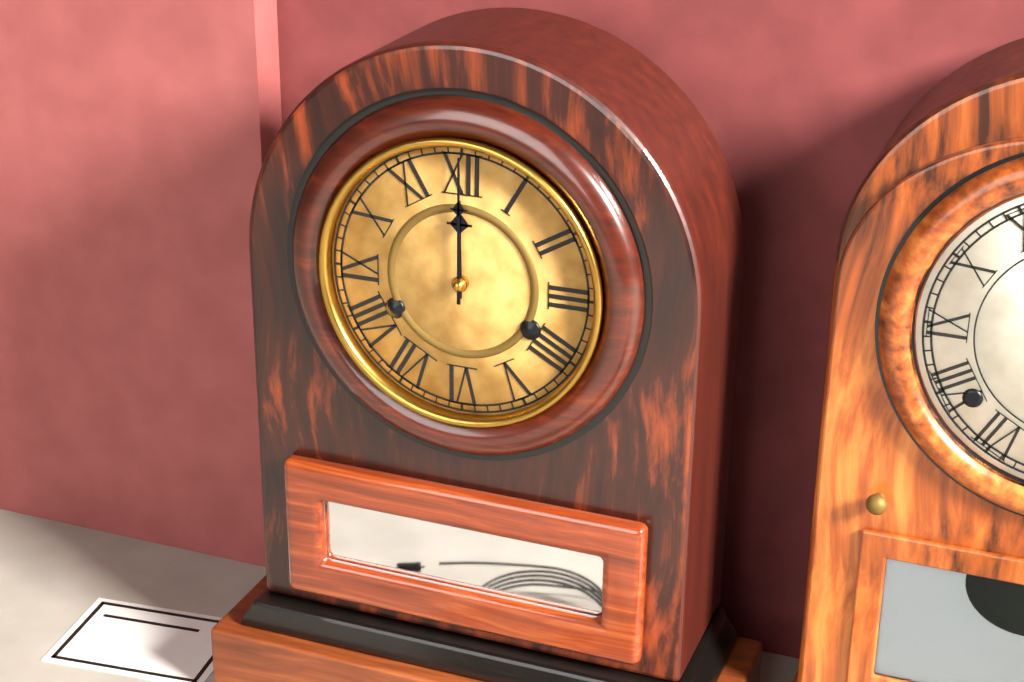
12:00
